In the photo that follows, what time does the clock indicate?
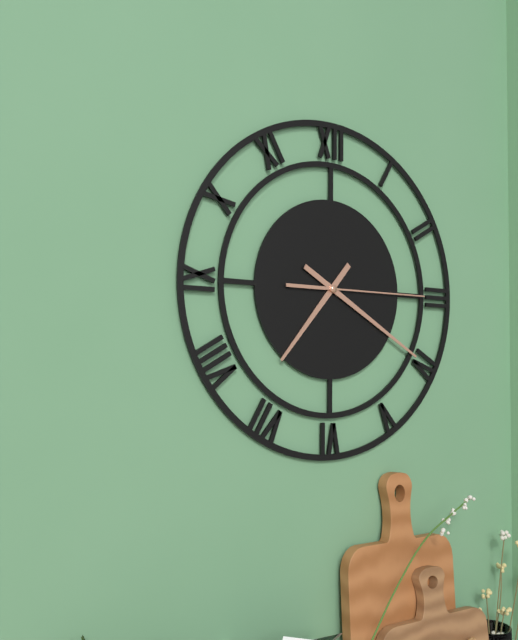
7:20:15
